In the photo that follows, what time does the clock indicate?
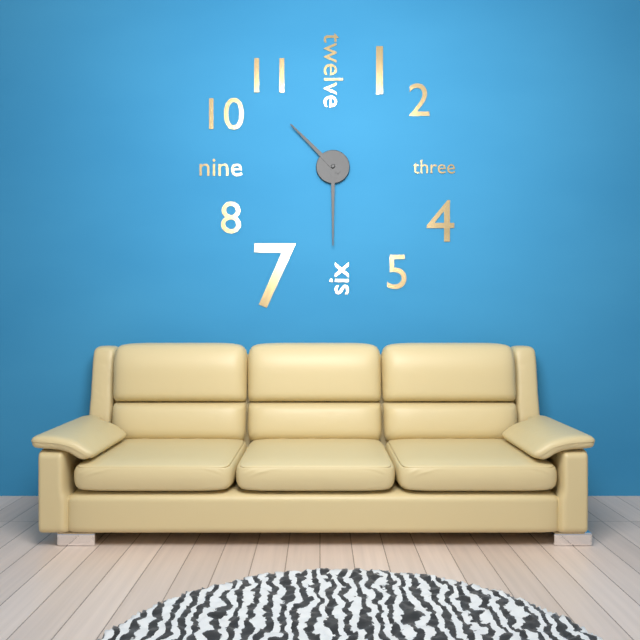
10:30
